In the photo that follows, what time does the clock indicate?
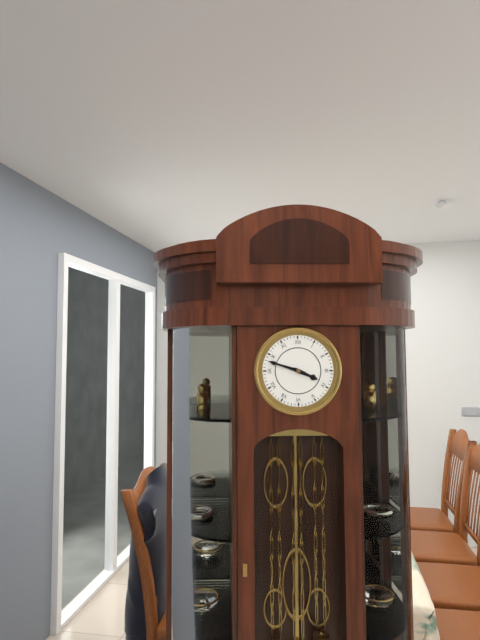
3:48
